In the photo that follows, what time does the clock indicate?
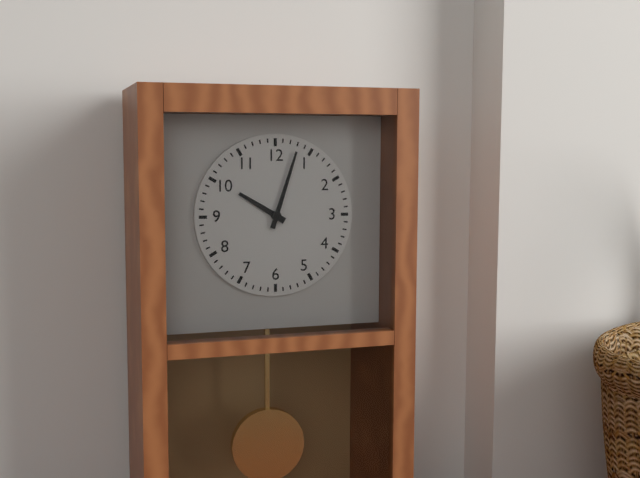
10:03
